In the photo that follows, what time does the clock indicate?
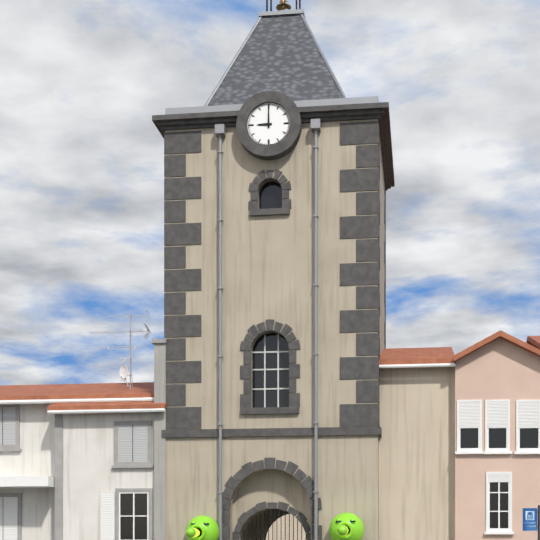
9:00
